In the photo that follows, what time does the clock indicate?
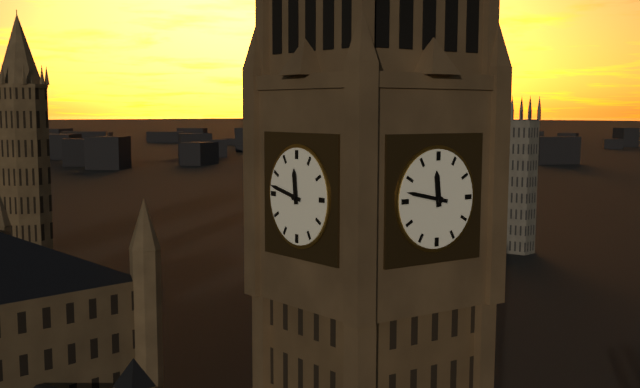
11:47
